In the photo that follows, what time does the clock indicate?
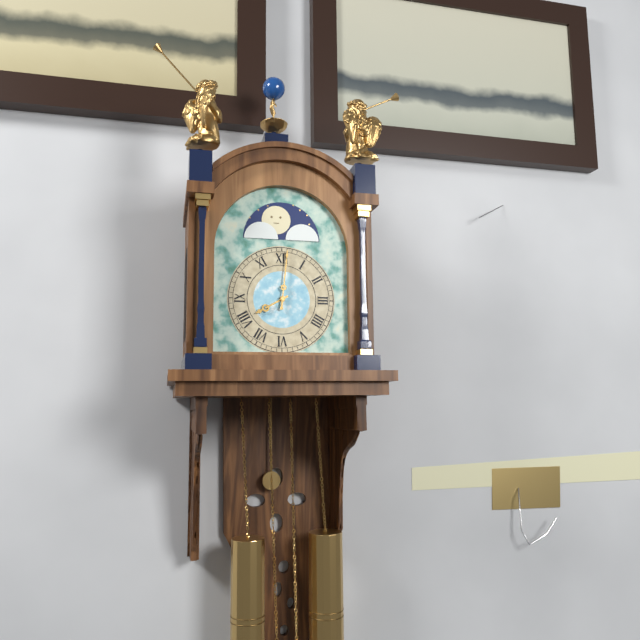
8:01
